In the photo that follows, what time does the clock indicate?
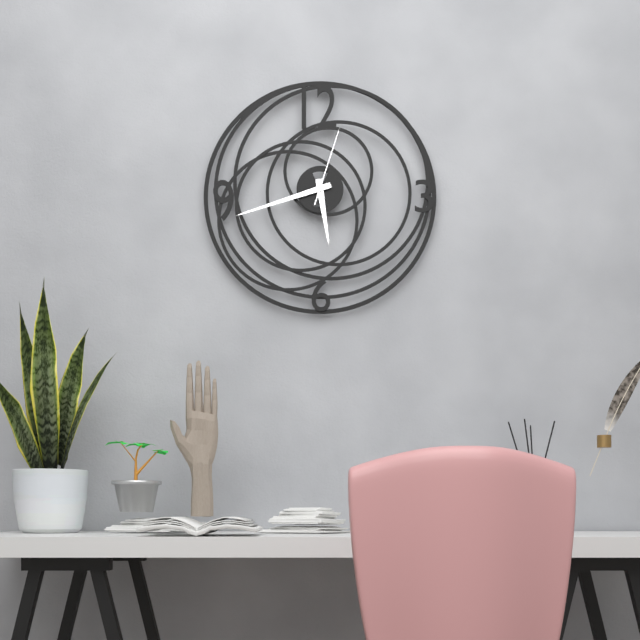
5:42:03
